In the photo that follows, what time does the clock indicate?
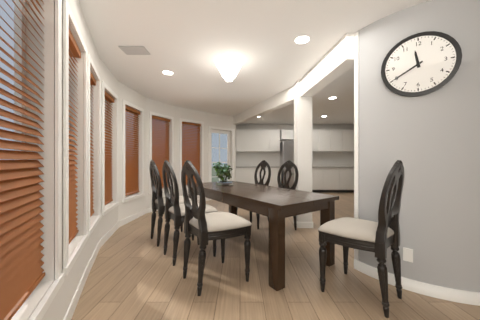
11:40
